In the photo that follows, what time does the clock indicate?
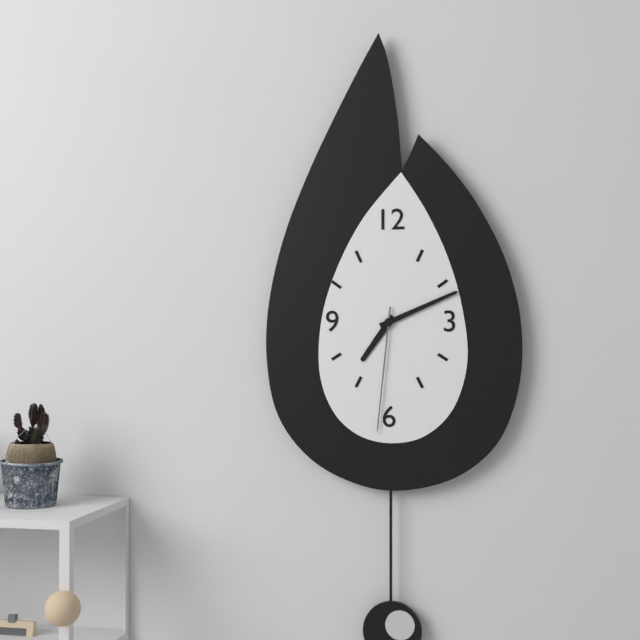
7:11:31
